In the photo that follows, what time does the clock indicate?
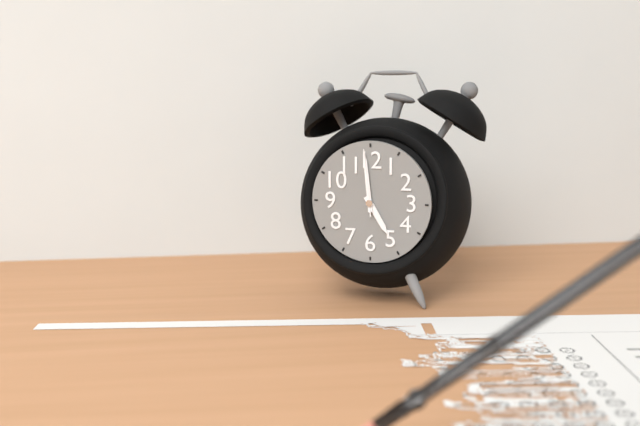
4:59:59
